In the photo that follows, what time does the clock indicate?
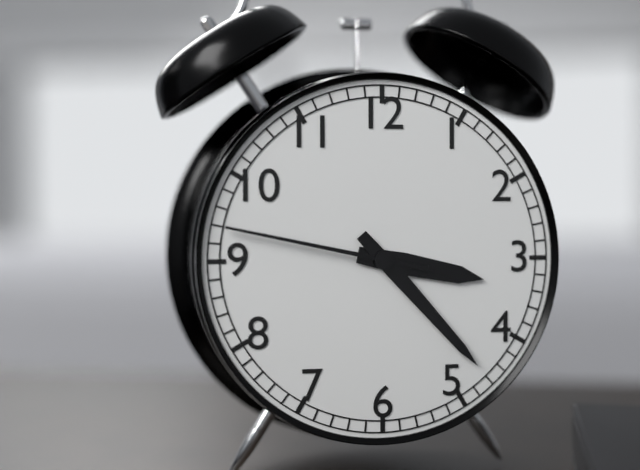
3:23:47
